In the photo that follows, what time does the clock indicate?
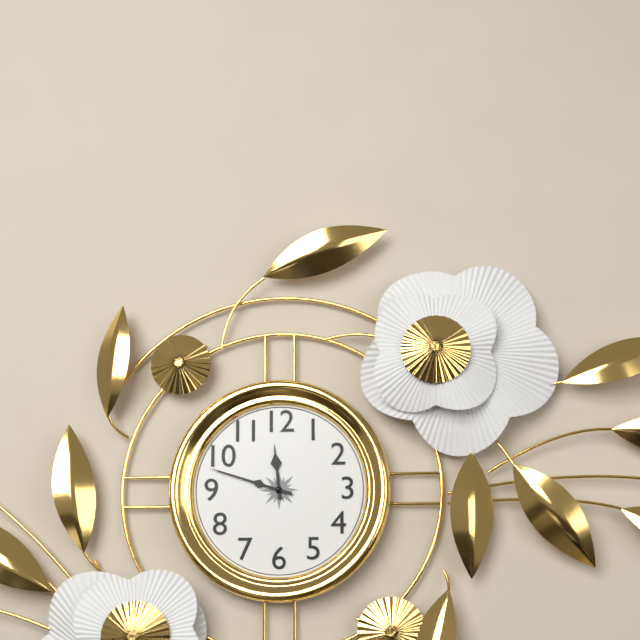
11:48
